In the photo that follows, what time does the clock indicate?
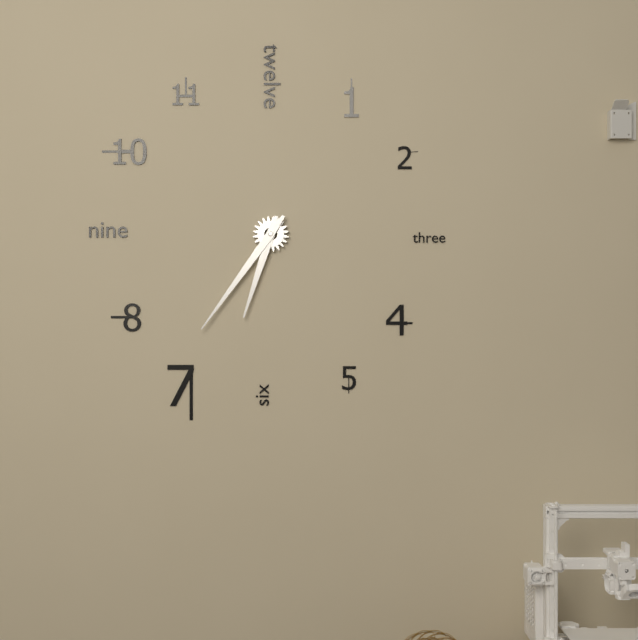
6:36
